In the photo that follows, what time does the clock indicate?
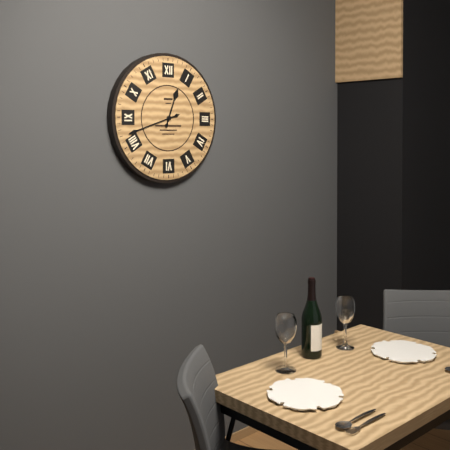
12:42
